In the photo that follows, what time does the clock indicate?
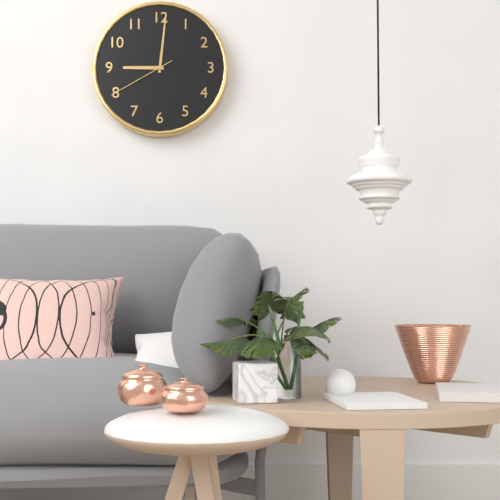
9:01:40
